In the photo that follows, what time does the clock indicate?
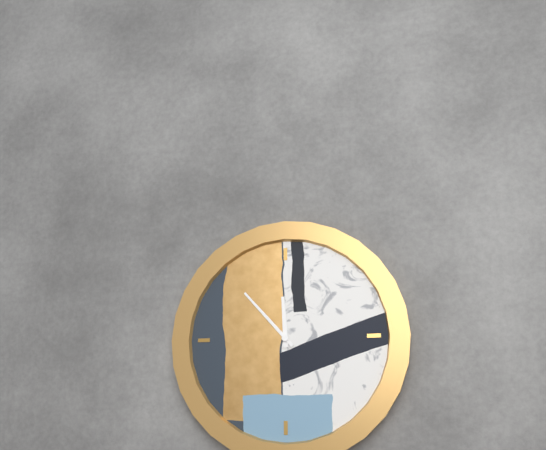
11:53
